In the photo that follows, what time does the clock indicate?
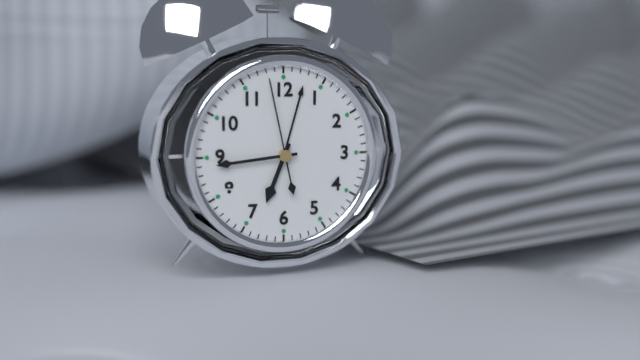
6:44:58
